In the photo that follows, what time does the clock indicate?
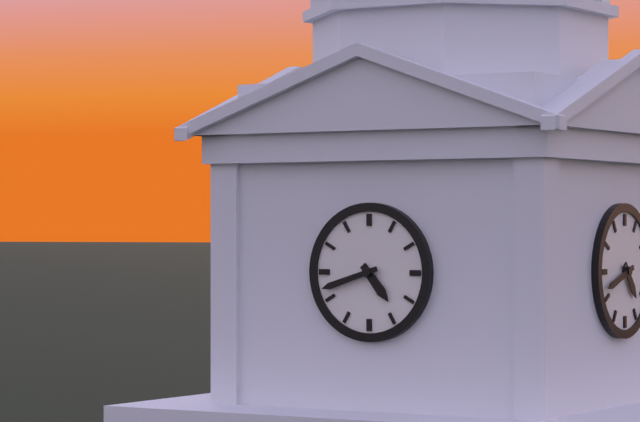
4:42
